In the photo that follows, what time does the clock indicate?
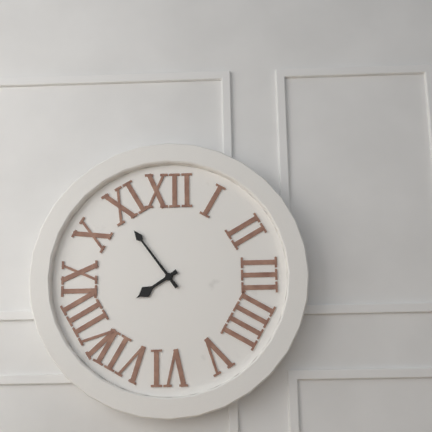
7:54
